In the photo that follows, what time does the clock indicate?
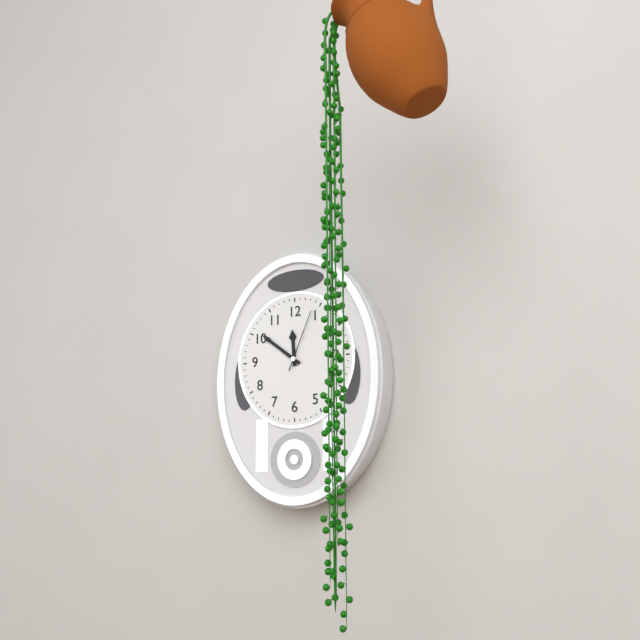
11:51:04
